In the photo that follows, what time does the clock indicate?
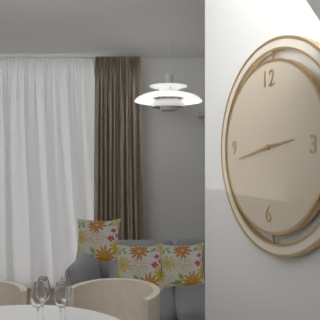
2:43
